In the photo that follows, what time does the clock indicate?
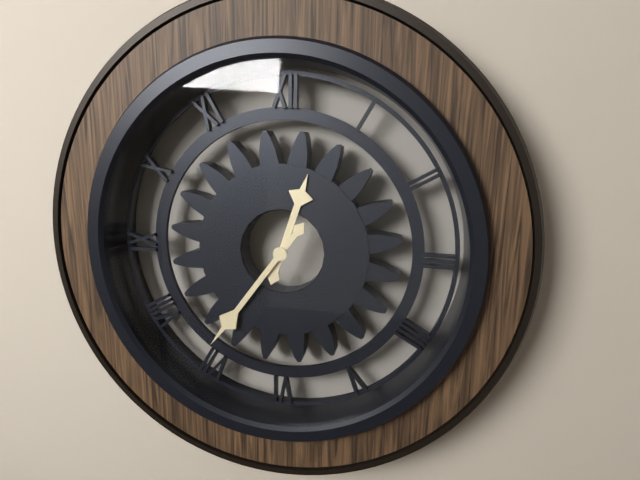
12:36
